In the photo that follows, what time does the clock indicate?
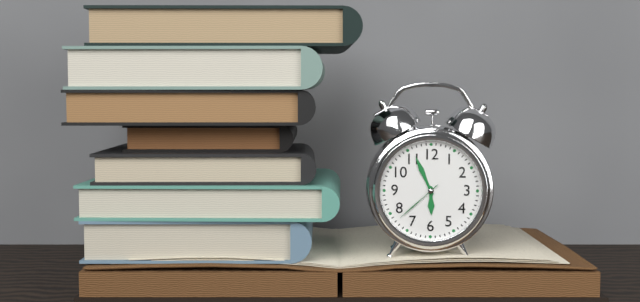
5:56:38
